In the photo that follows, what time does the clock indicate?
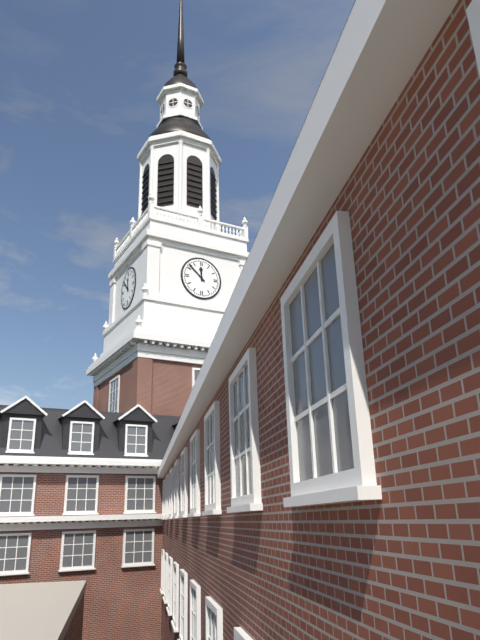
11:52
